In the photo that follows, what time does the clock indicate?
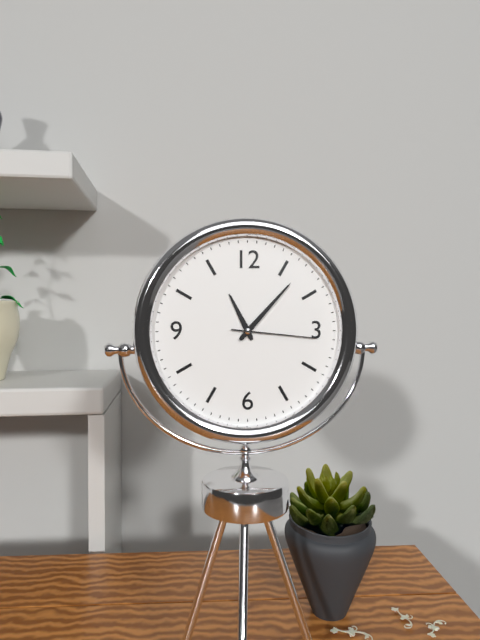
11:07:16
